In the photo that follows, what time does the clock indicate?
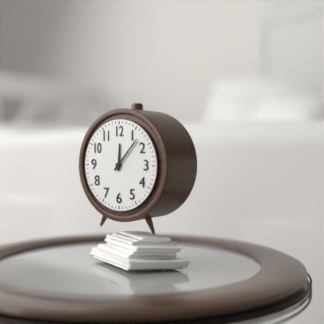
12:07
